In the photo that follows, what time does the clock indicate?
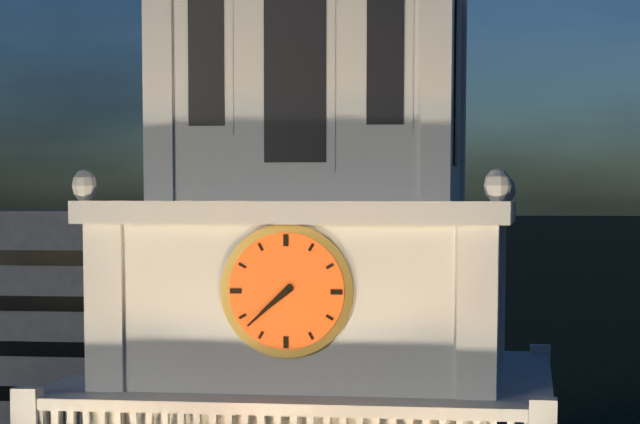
7:38
